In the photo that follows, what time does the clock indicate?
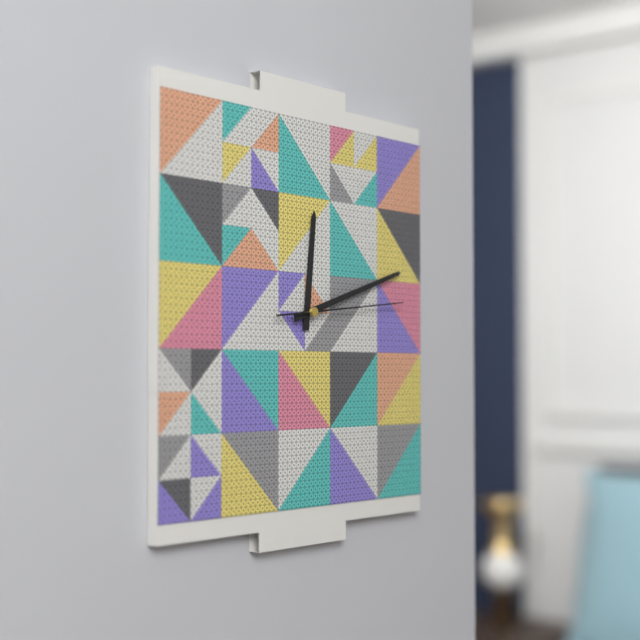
12:12:14
